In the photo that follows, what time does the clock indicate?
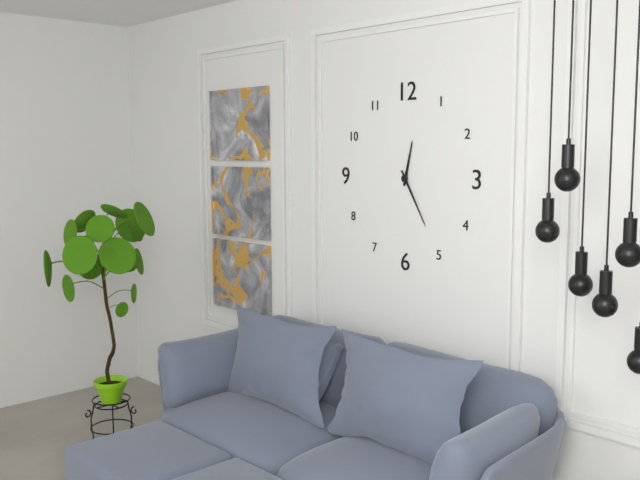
12:25
